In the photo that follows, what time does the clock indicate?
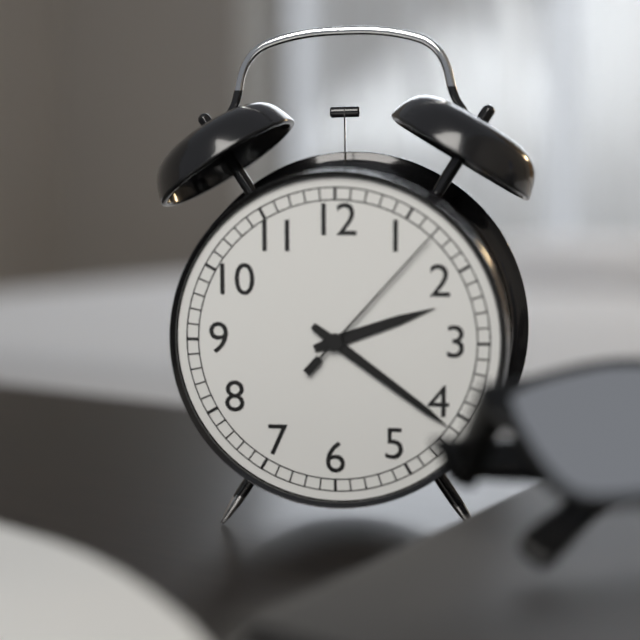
2:21:07
